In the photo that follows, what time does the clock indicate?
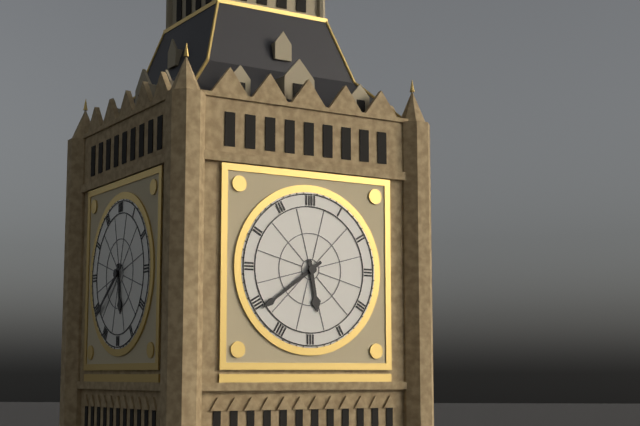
5:39
